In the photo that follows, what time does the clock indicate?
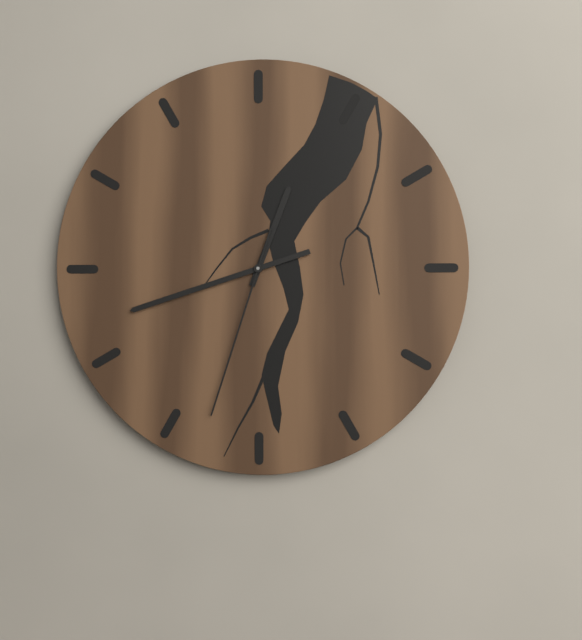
12:42:33
